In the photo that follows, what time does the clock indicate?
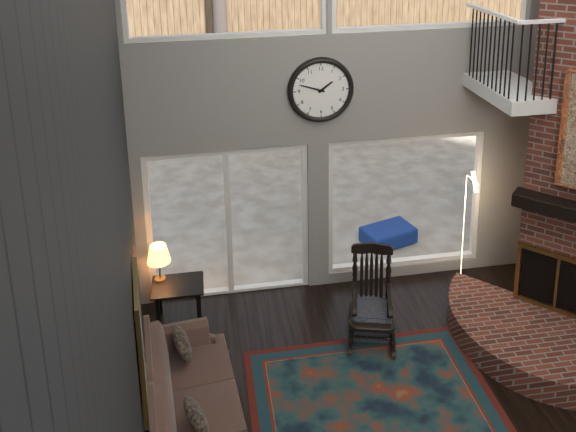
1:48
